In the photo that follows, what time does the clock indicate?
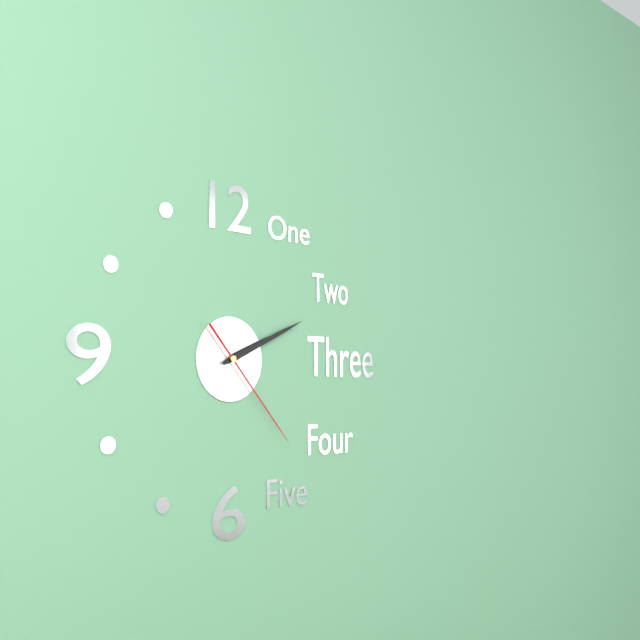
2:11:23
